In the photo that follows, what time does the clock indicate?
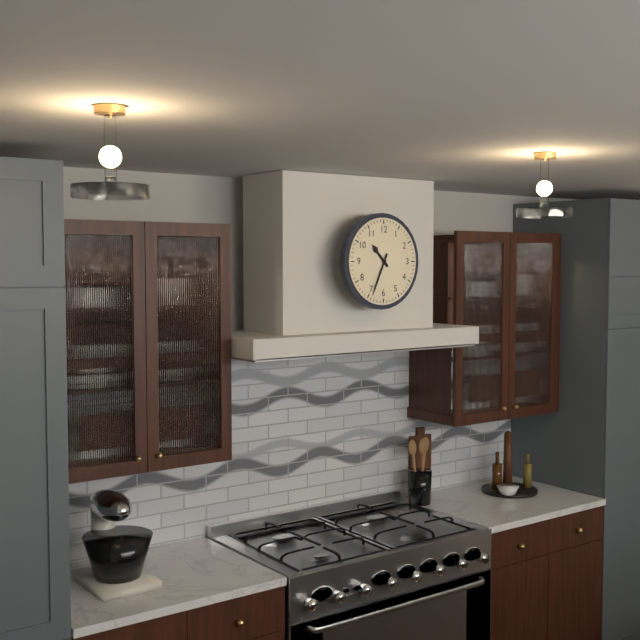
10:34
